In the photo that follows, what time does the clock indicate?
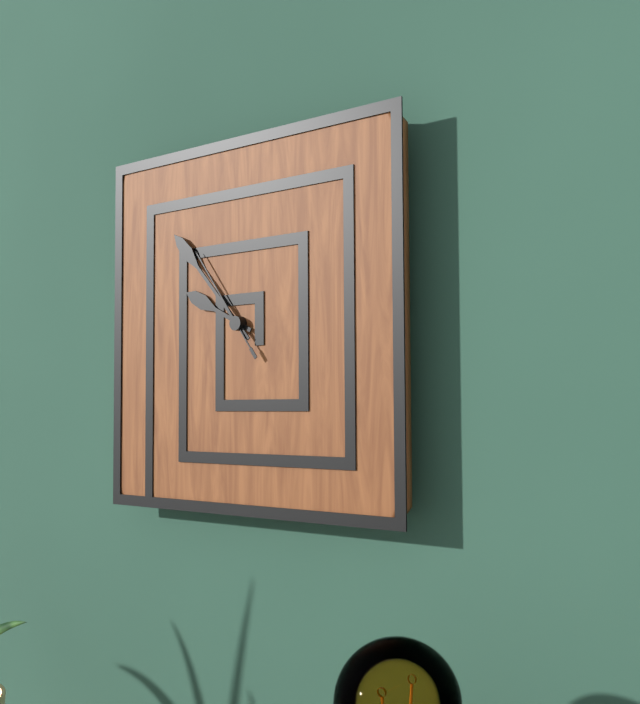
9:53:54
